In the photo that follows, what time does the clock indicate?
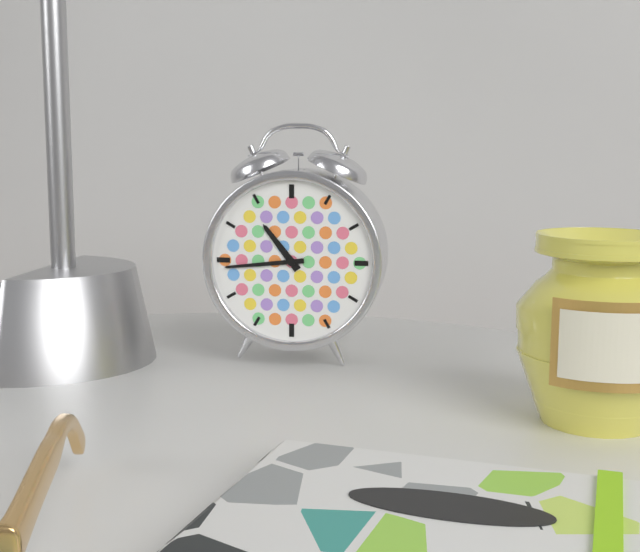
10:44
